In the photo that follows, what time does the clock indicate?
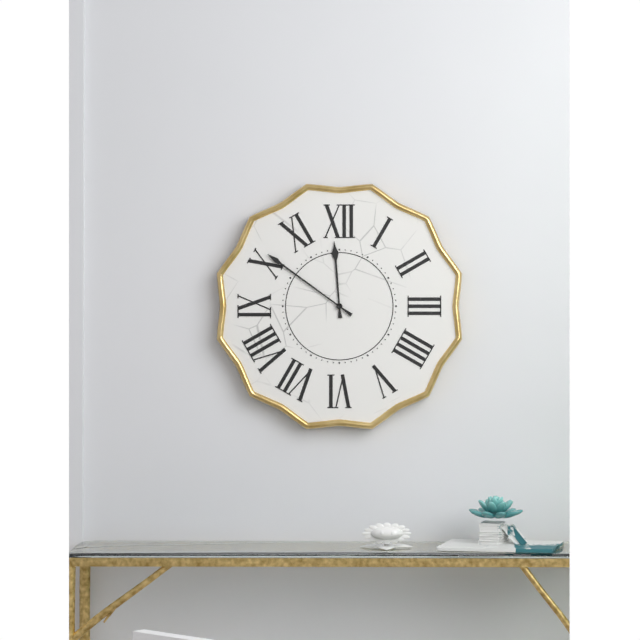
11:51
